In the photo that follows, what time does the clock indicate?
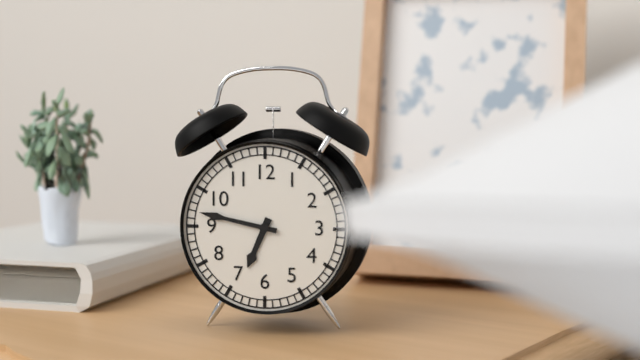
6:47
